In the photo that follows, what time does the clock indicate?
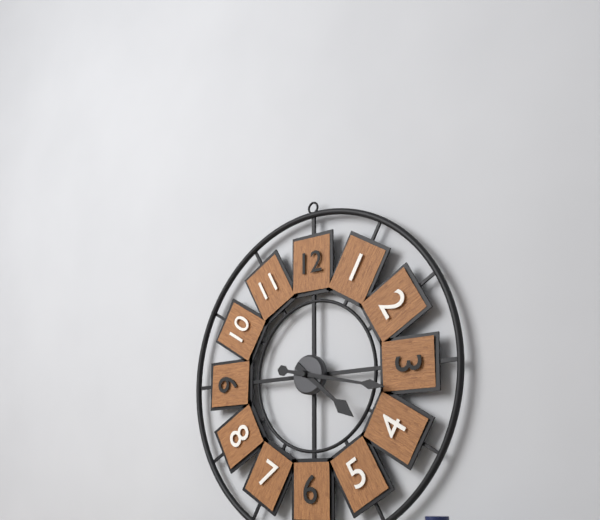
4:17
